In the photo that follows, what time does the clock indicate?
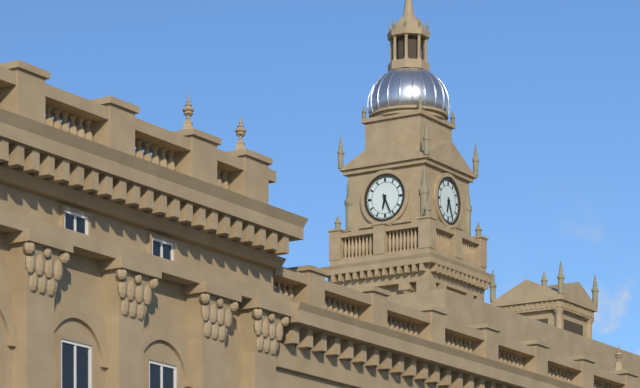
6:26
